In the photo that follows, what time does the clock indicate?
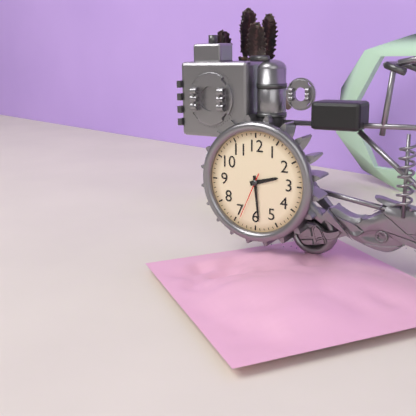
2:29
